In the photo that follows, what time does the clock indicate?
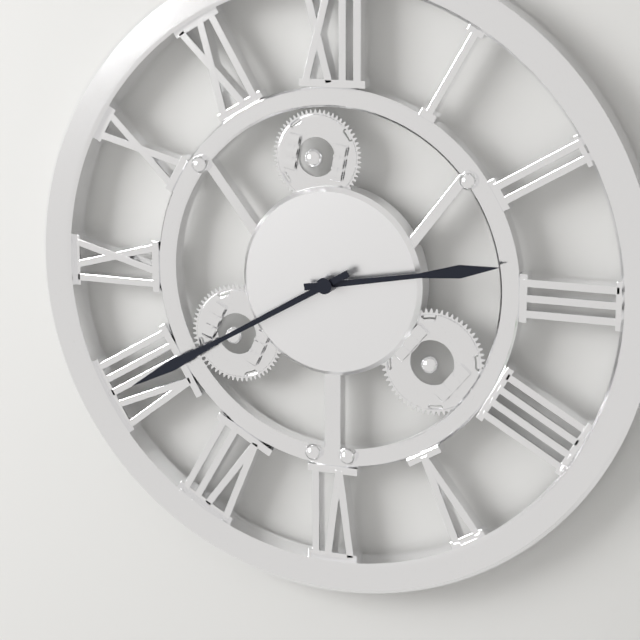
2:40
